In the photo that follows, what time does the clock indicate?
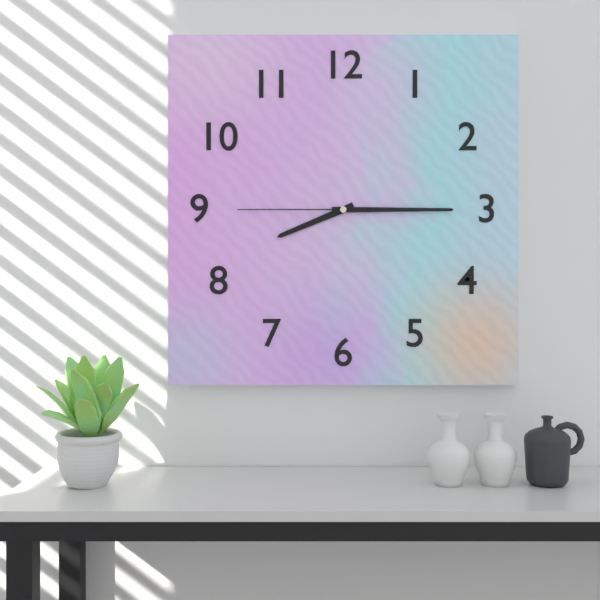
8:15:45
